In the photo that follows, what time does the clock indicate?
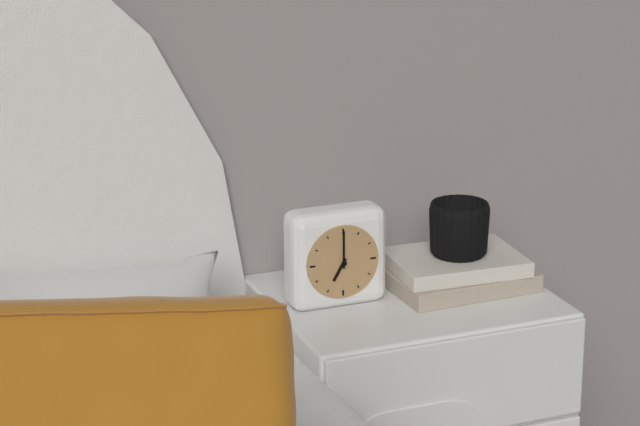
7:00
